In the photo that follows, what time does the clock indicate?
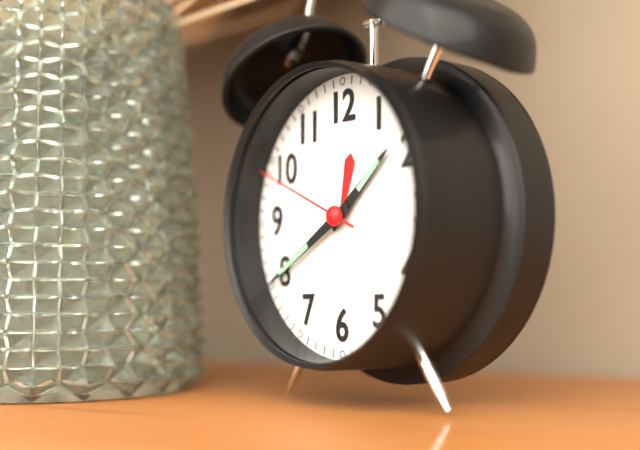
1:40:49
